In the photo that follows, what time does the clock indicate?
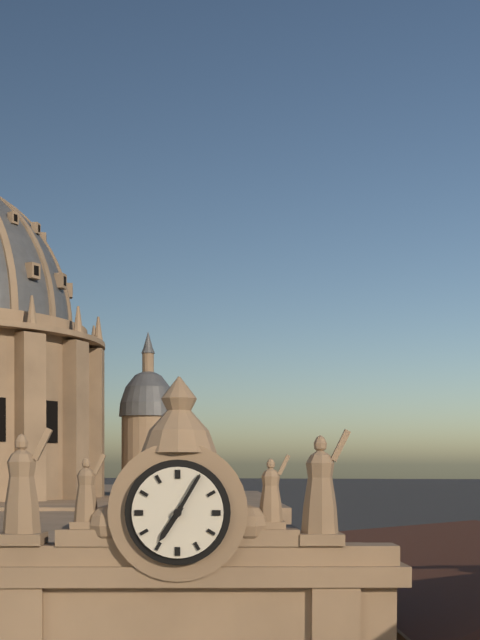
7:05
